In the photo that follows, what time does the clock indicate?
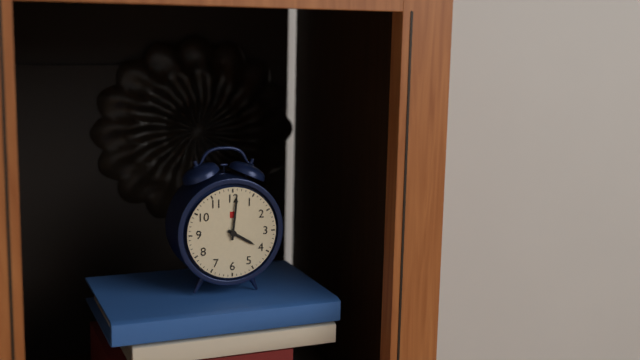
4:01
